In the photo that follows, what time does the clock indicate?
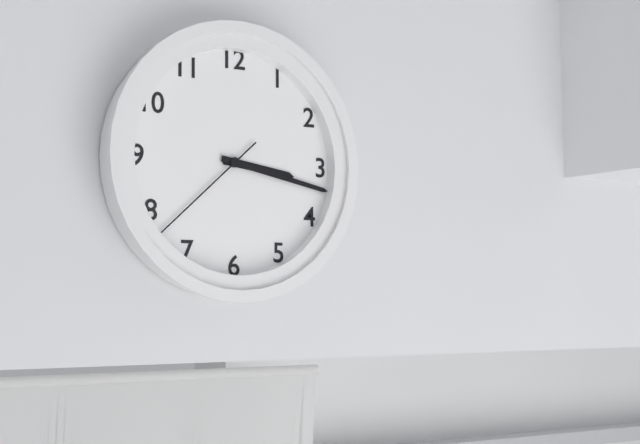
3:17:38
